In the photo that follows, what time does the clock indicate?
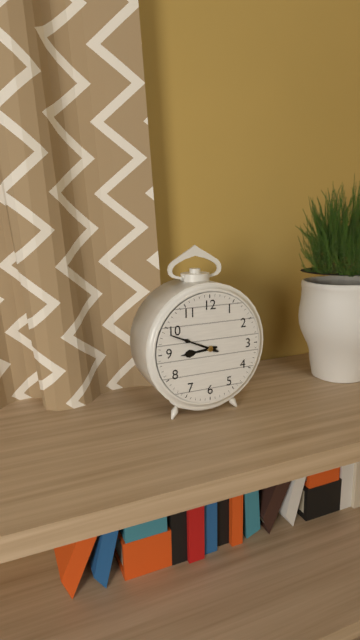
8:49
